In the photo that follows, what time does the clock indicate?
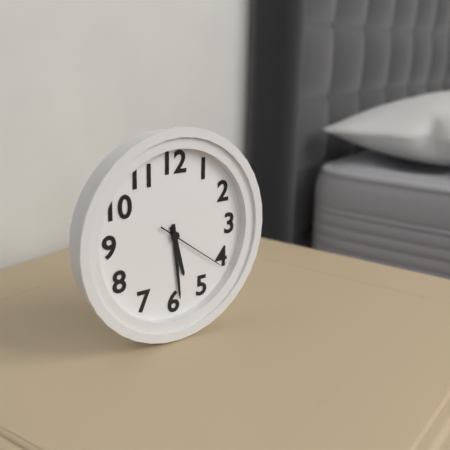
5:29:21
